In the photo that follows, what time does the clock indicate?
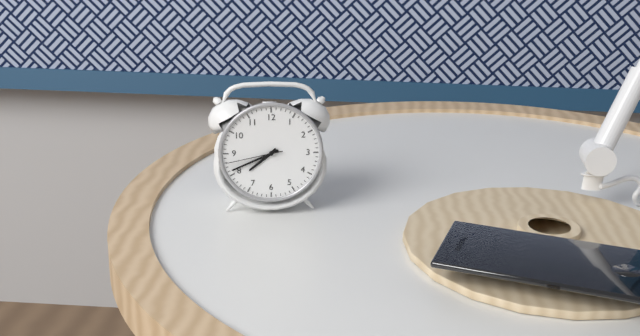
7:41:43
